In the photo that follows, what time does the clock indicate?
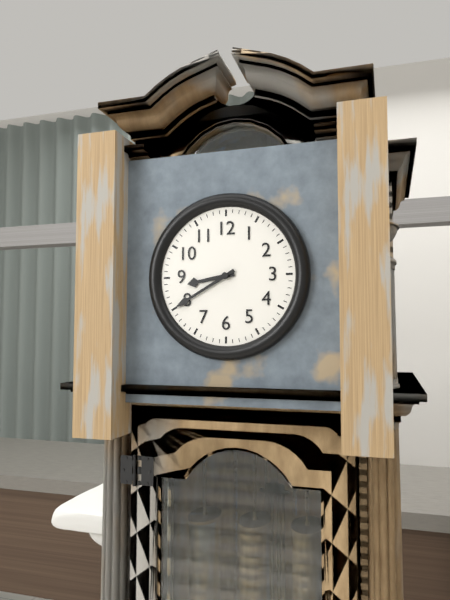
8:40
